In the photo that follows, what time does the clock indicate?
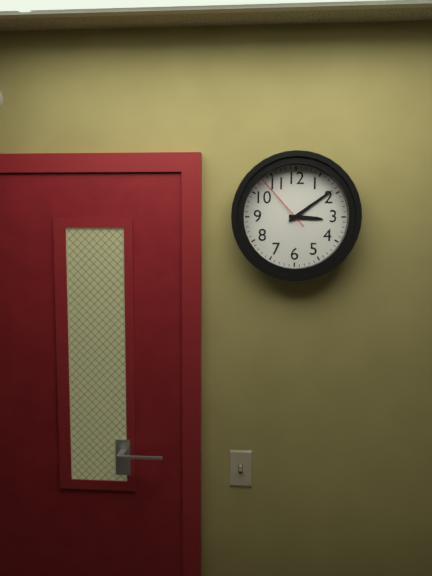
3:09:53
